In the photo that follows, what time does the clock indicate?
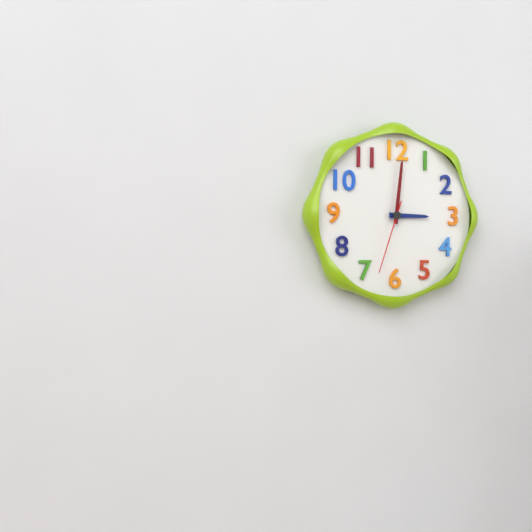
3:01:33
